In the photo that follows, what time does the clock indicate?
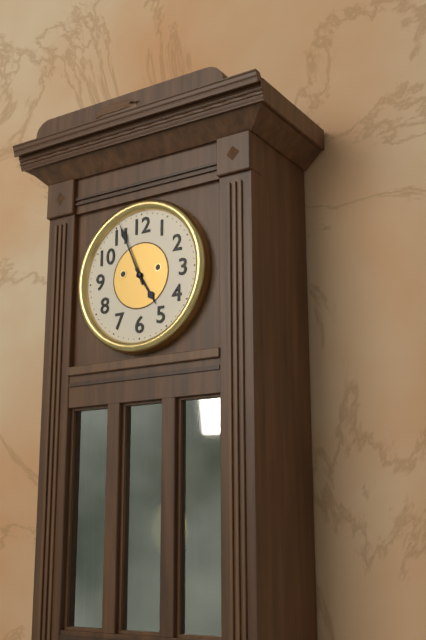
4:56
